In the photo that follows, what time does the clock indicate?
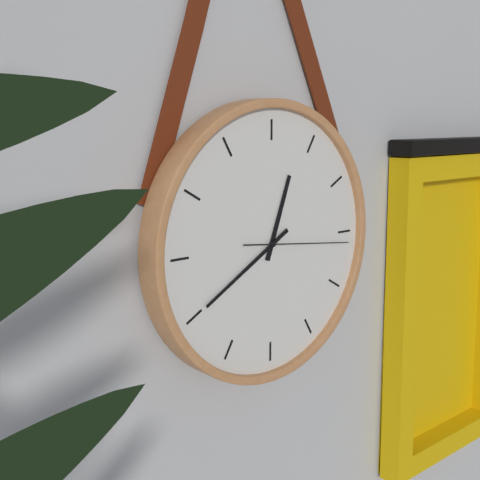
12:40:16
